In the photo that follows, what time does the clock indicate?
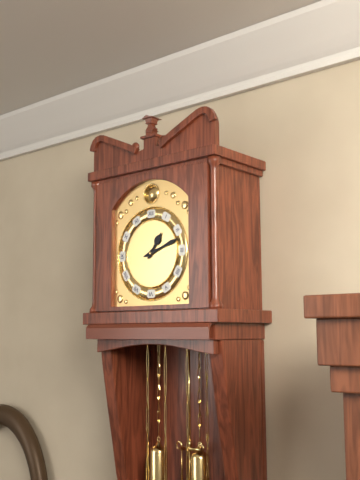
1:12
